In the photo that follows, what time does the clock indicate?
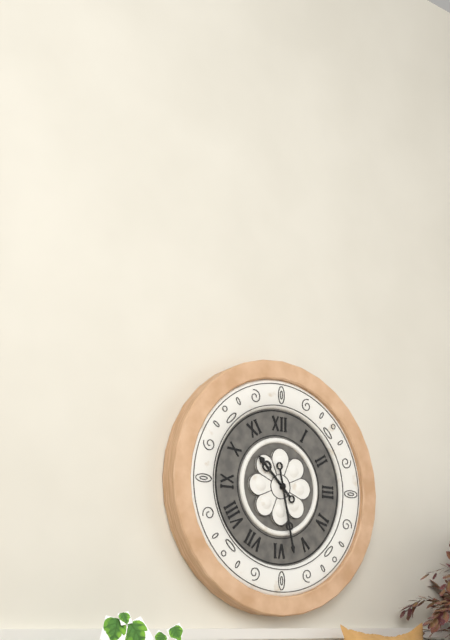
10:28
